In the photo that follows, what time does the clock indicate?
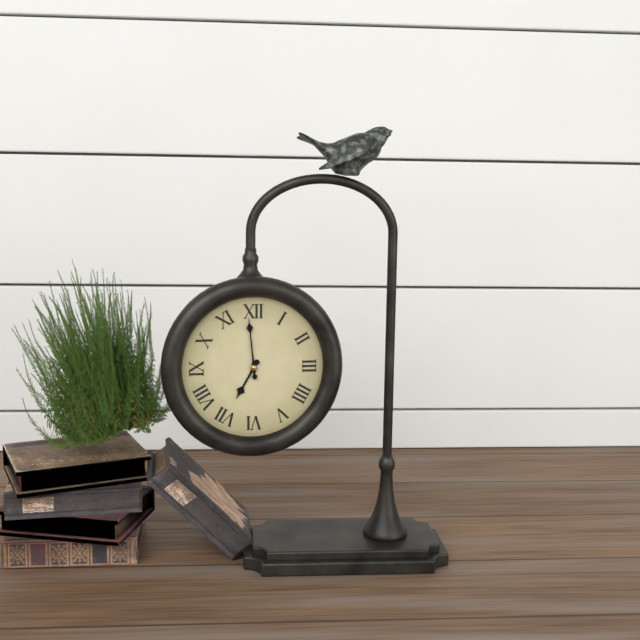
6:59
